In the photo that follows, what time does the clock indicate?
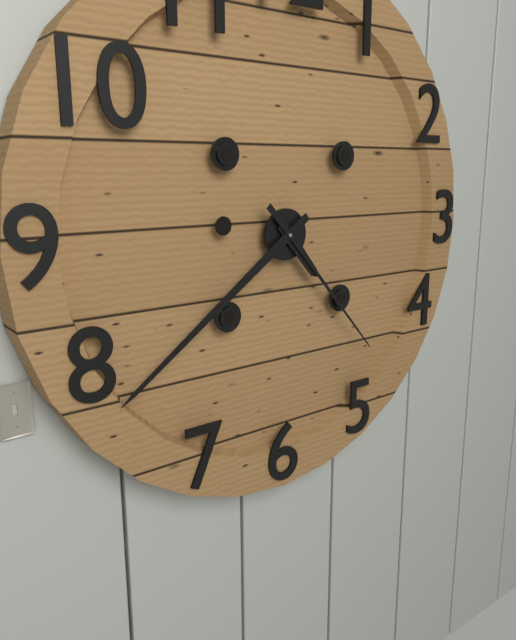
4:39:23
